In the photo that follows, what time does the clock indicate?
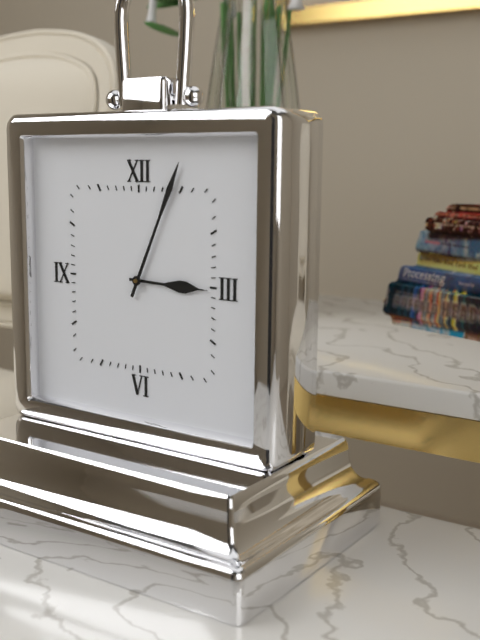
3:04
